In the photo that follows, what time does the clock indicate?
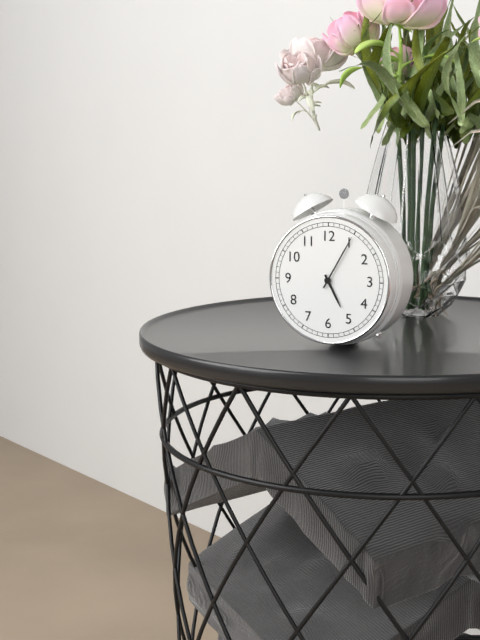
5:05
